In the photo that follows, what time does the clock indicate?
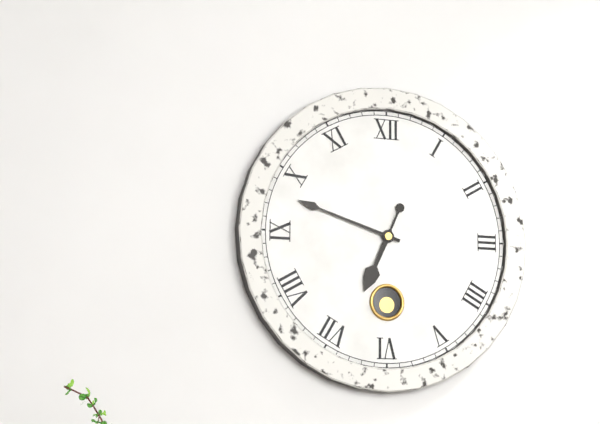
6:48
